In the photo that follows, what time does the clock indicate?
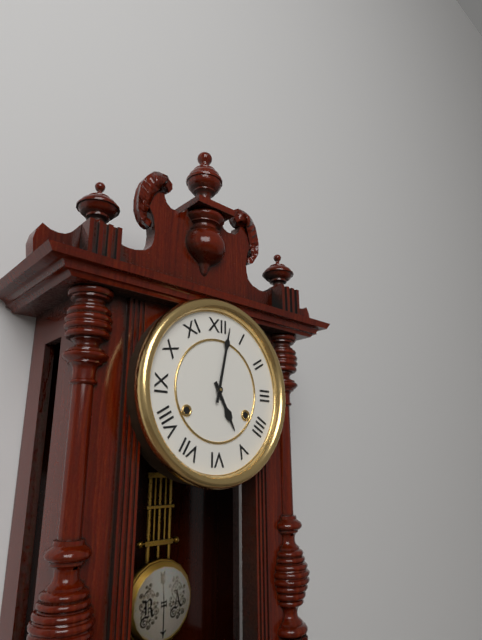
5:02
